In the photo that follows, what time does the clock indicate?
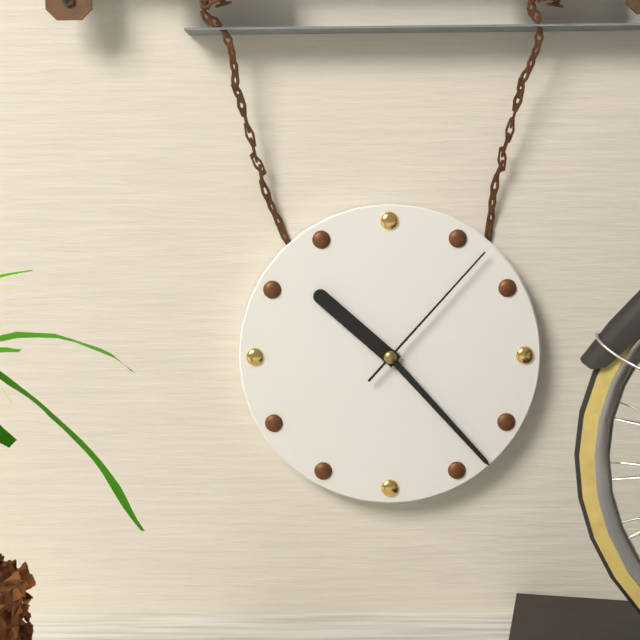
10:23:07
